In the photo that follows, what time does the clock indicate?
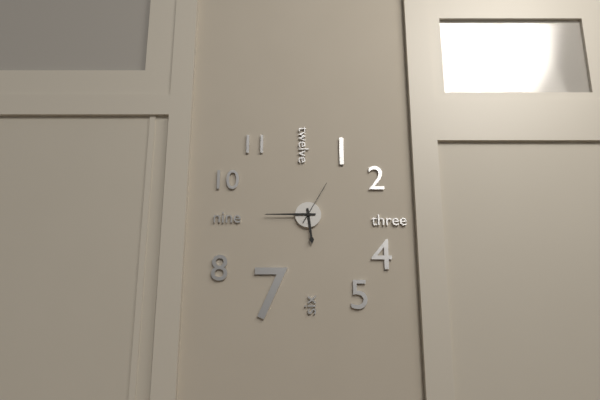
5:45
